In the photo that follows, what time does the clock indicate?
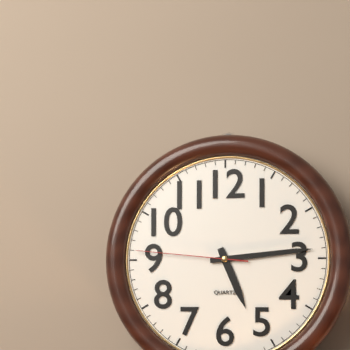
5:14:46
